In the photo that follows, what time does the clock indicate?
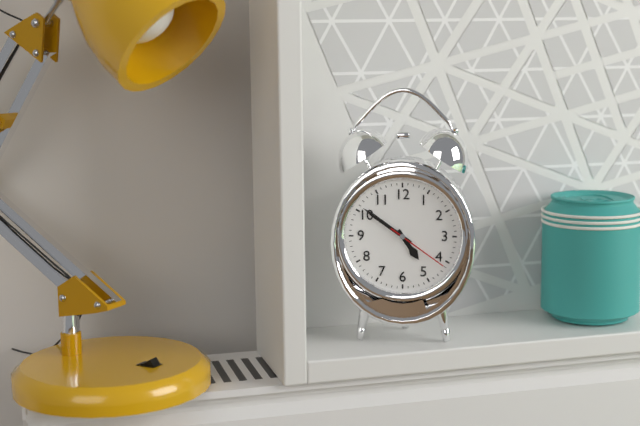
4:51:21
